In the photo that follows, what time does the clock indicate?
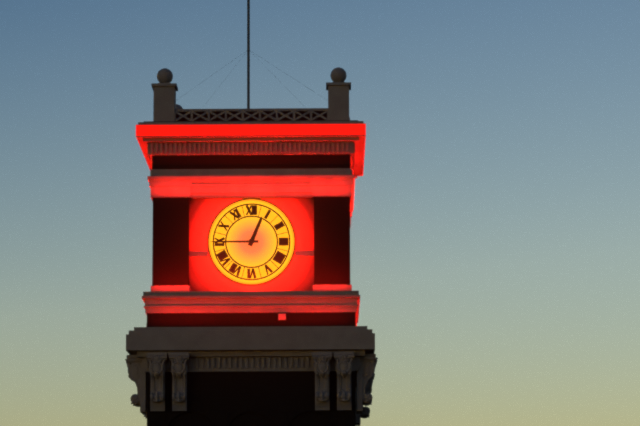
12:45
